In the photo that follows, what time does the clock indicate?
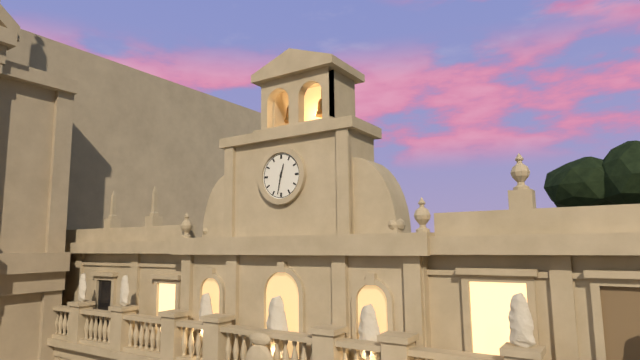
12:32
